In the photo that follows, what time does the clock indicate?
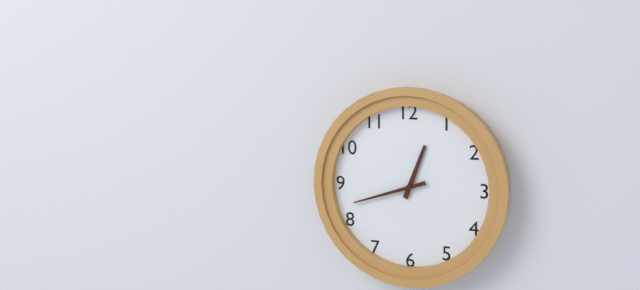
12:42
